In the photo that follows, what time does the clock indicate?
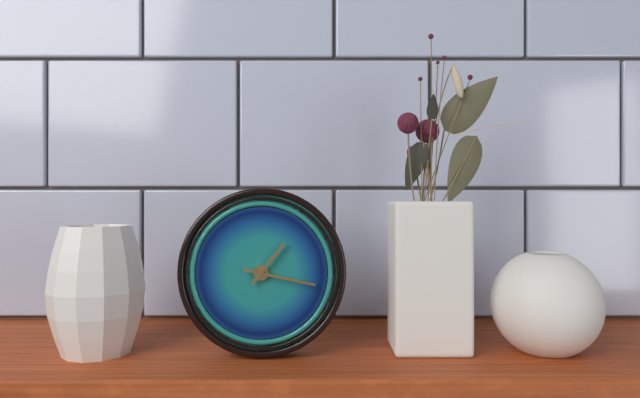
1:17
